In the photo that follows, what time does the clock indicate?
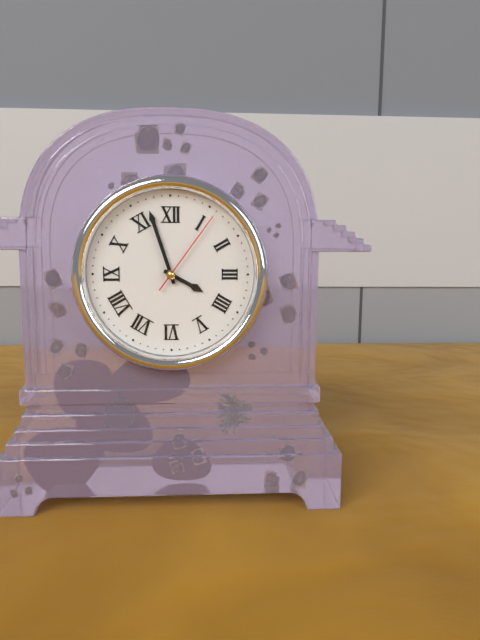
3:57:06
